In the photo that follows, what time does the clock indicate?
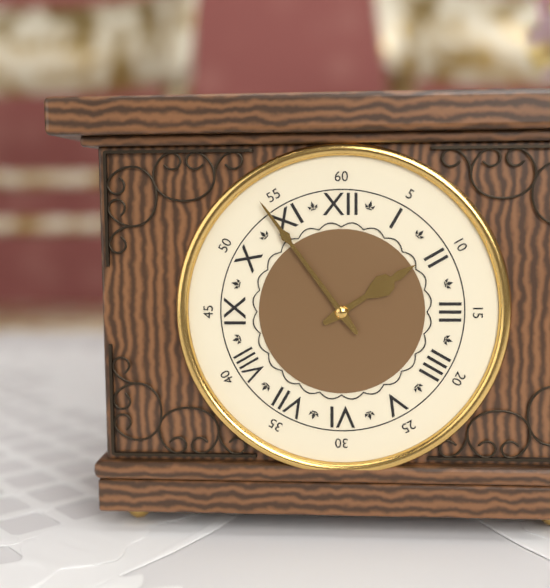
1:54
